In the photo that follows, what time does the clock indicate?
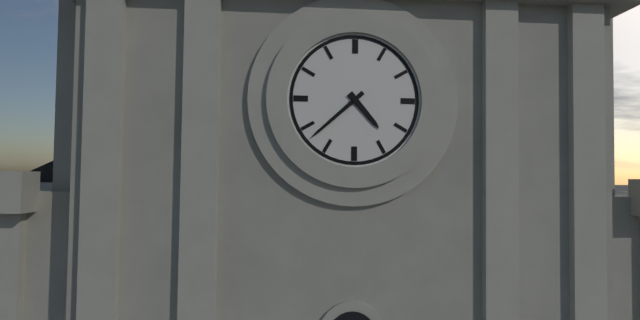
4:38
